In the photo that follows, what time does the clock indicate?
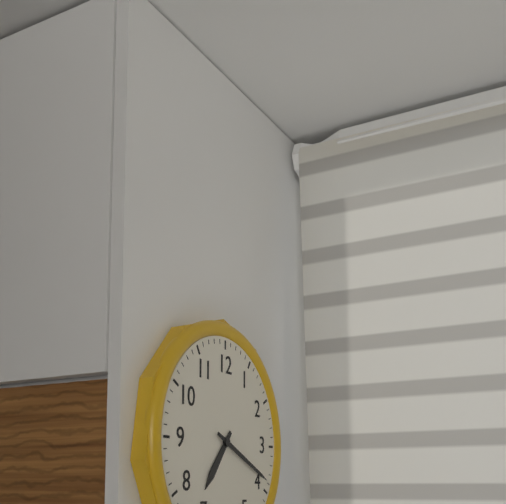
7:19
